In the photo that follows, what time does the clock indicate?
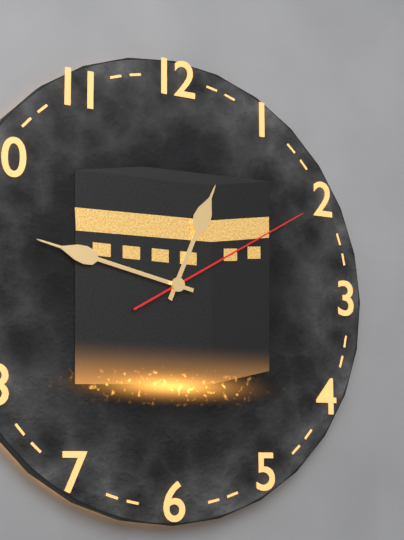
12:47:10
